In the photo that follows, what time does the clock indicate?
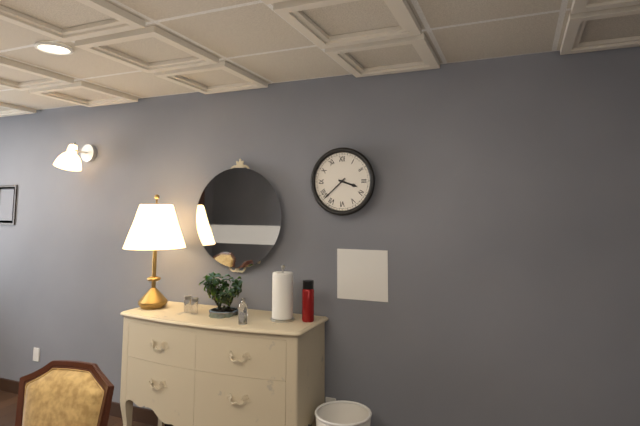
3:38
